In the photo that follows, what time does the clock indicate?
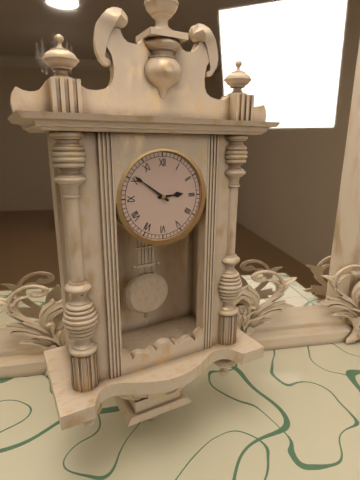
2:51
